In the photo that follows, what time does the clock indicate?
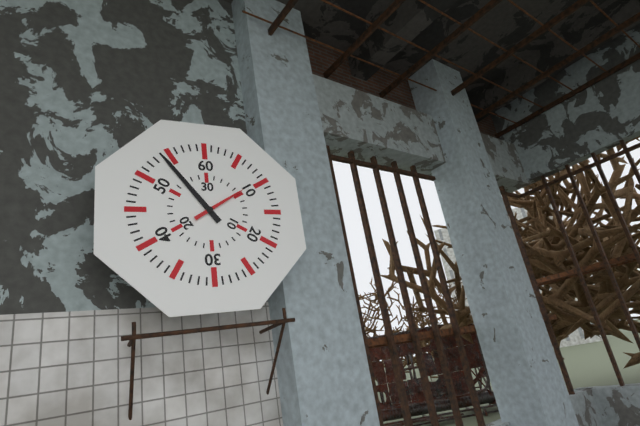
1:54
